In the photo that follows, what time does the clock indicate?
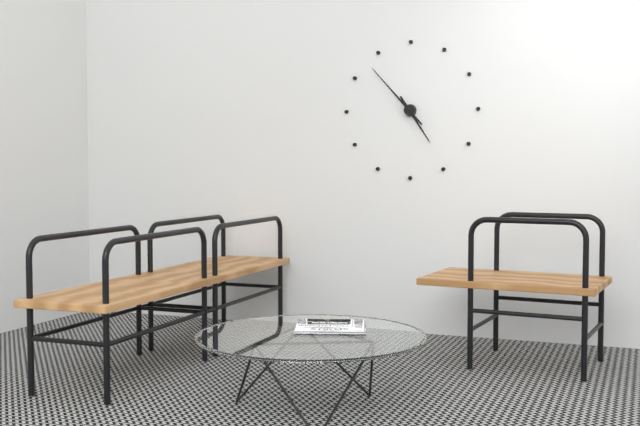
4:53
